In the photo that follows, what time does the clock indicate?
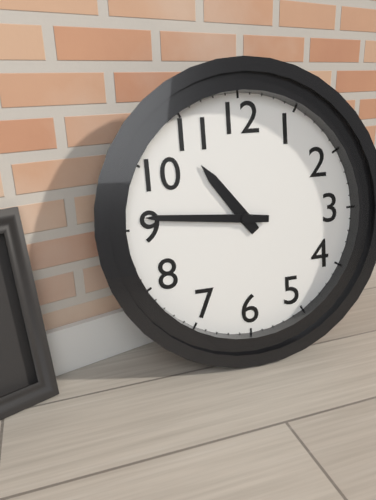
10:46
